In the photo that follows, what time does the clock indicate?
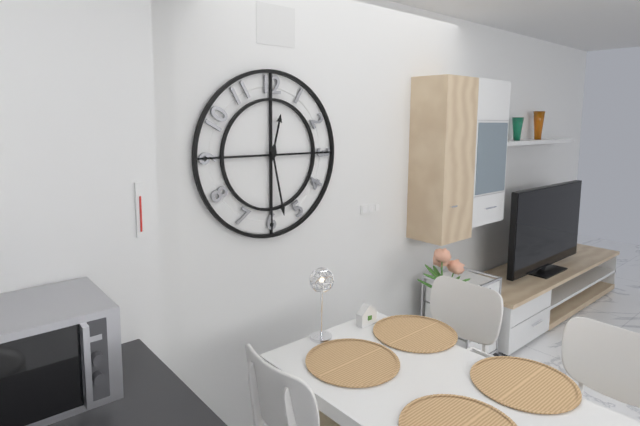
12:28
